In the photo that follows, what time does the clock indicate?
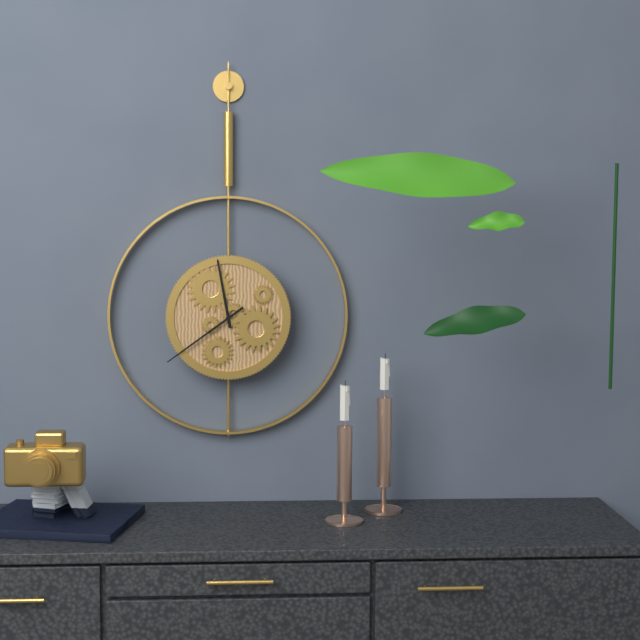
11:39
